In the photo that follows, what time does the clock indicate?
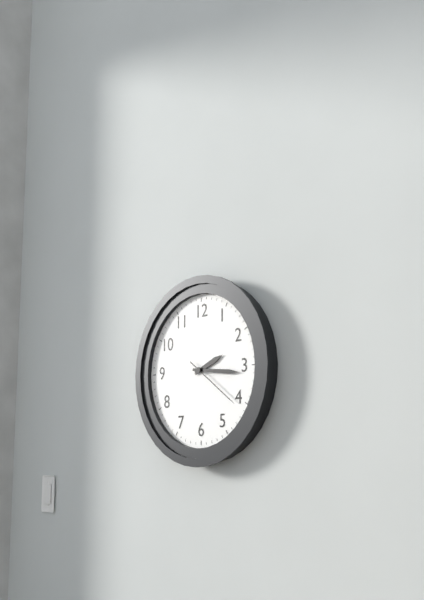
2:16:21
